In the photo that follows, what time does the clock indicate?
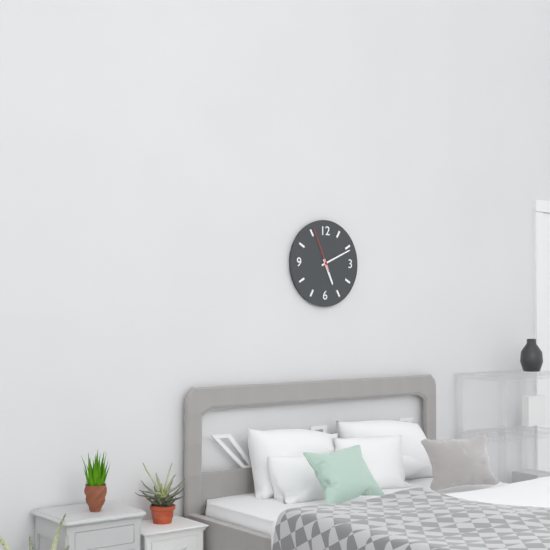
5:11
